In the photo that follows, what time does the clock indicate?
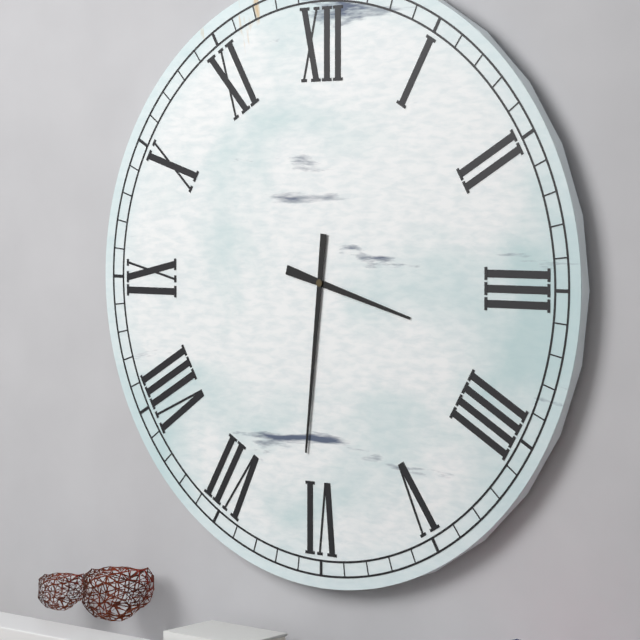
3:31
